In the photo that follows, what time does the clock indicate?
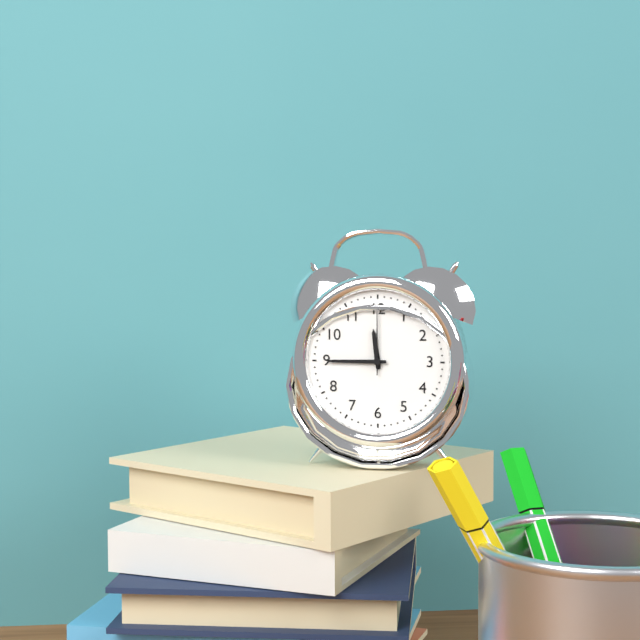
11:45:00
